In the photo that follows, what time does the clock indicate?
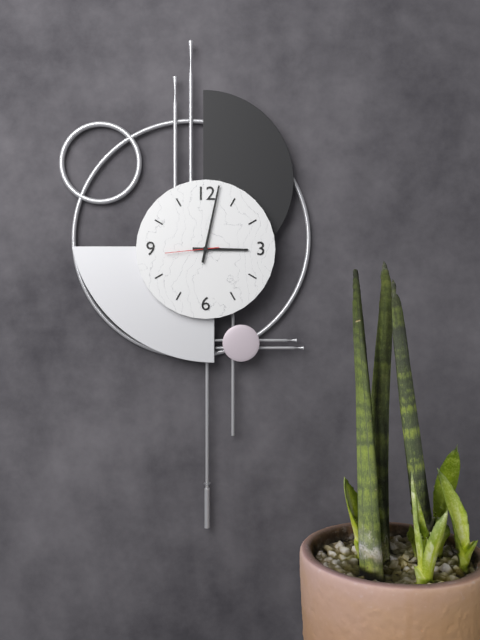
3:02:44
